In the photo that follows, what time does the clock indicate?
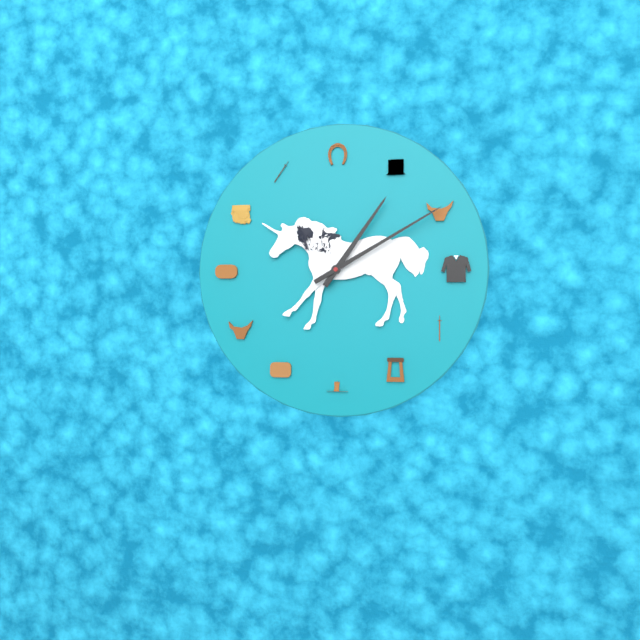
1:10
